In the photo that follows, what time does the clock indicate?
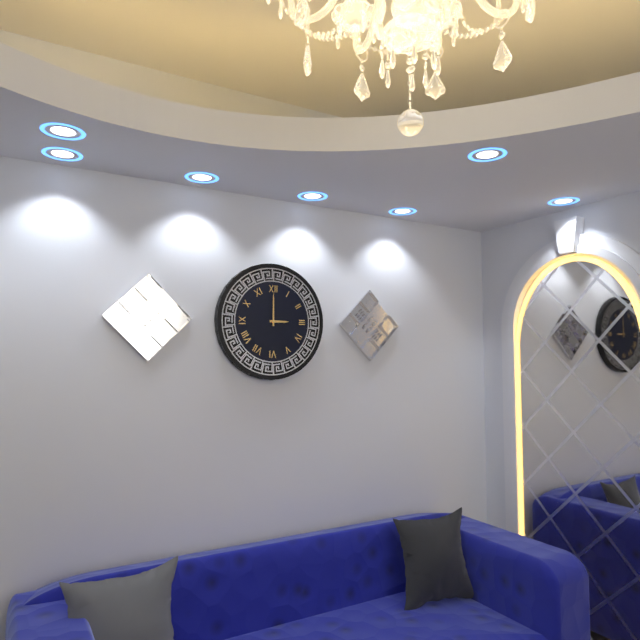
3:00
